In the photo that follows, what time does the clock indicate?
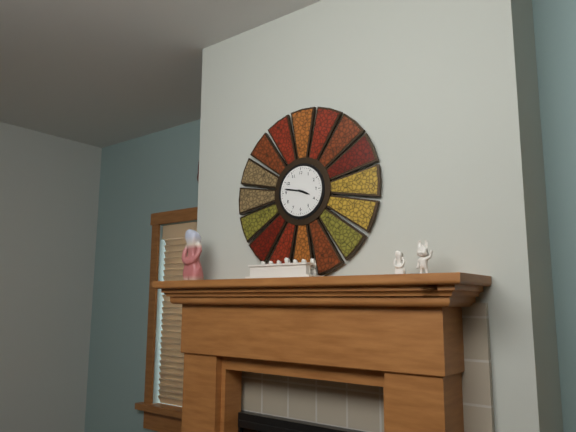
3:47
